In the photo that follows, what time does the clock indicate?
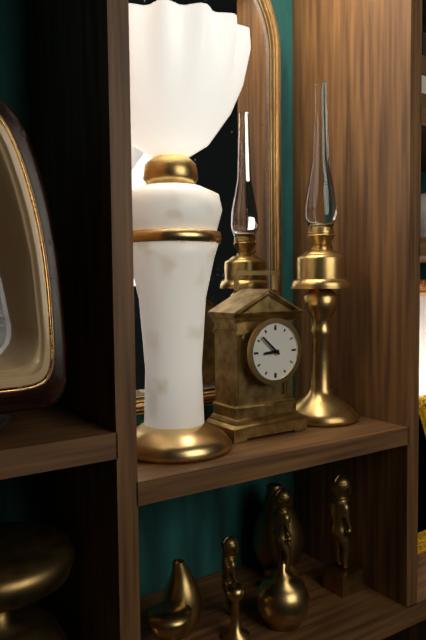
8:52
